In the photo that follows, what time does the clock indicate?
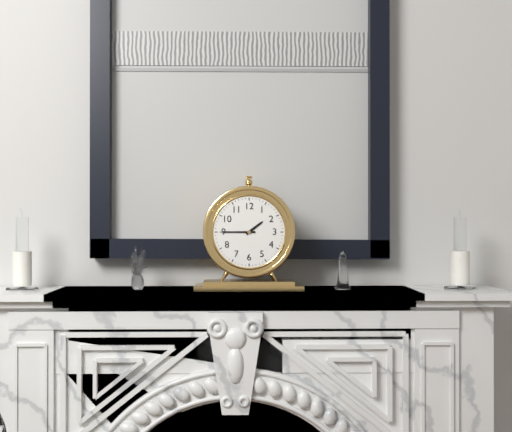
1:45
